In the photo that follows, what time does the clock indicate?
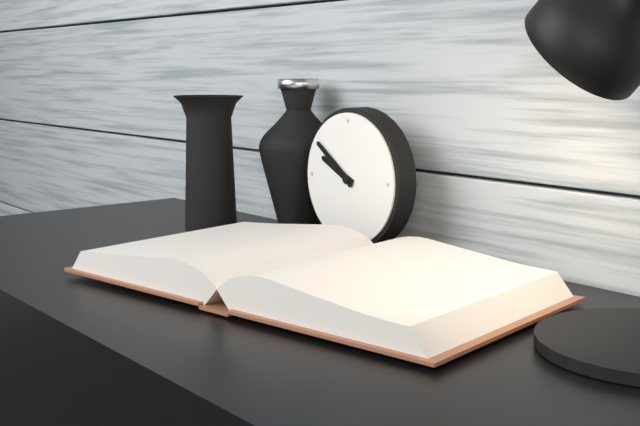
9:51
